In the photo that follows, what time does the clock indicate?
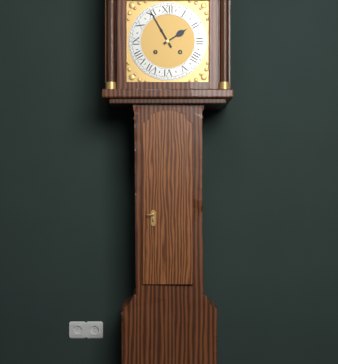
1:55
